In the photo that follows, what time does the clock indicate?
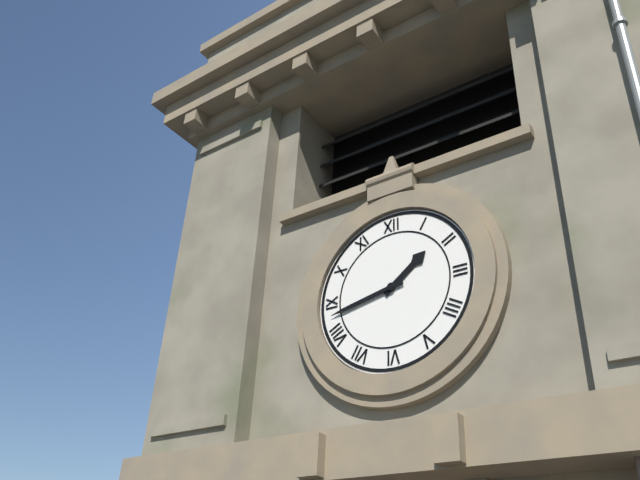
1:43
